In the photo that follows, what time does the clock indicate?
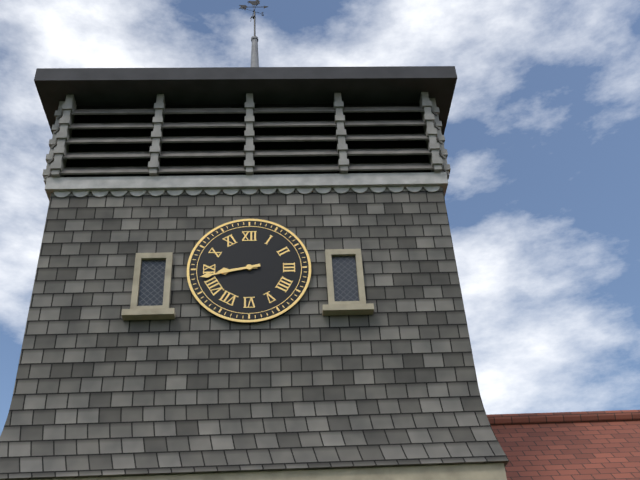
8:43
